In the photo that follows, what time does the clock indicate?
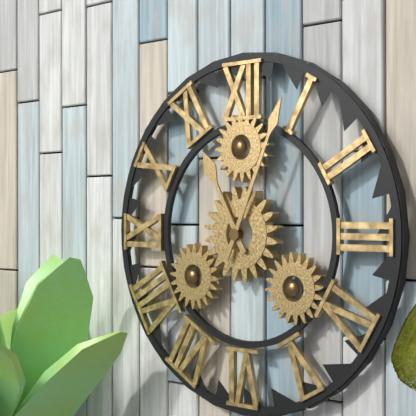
11:04
